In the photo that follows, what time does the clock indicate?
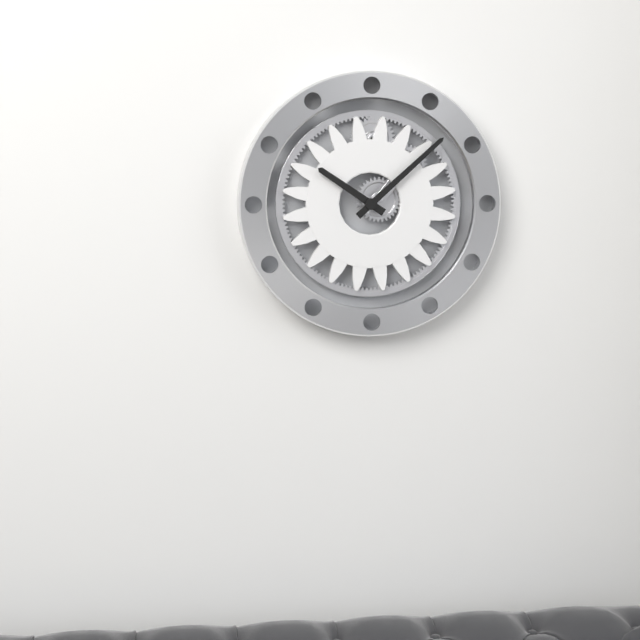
10:08
